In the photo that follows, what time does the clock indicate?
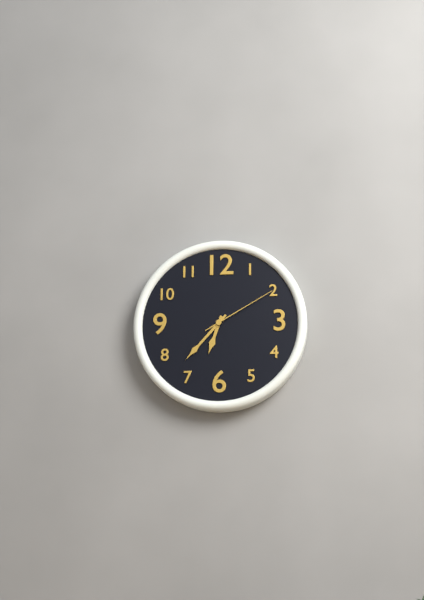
6:37:10
